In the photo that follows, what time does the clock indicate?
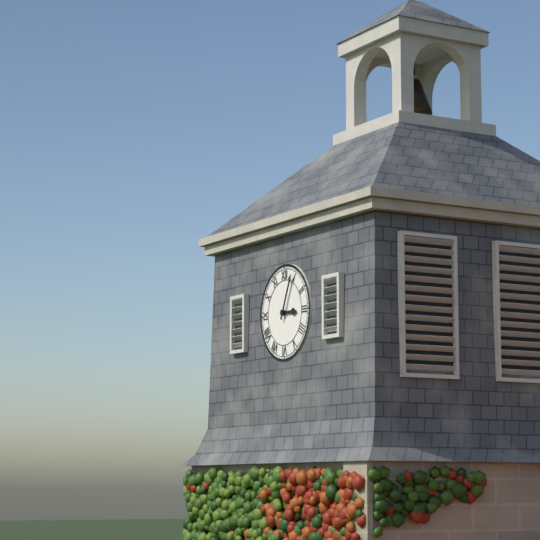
3:04
